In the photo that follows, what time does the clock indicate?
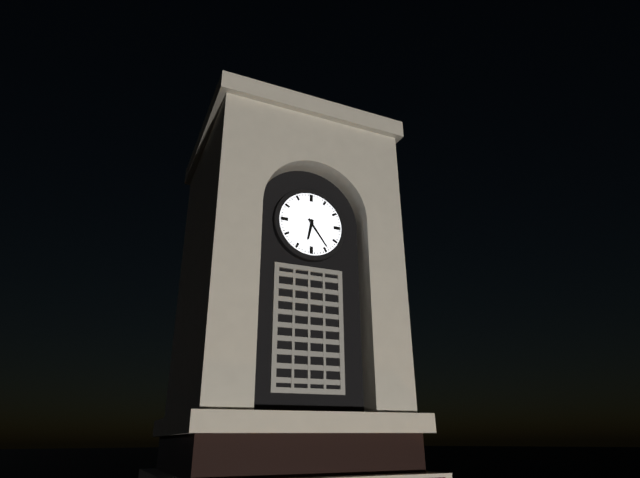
6:24
